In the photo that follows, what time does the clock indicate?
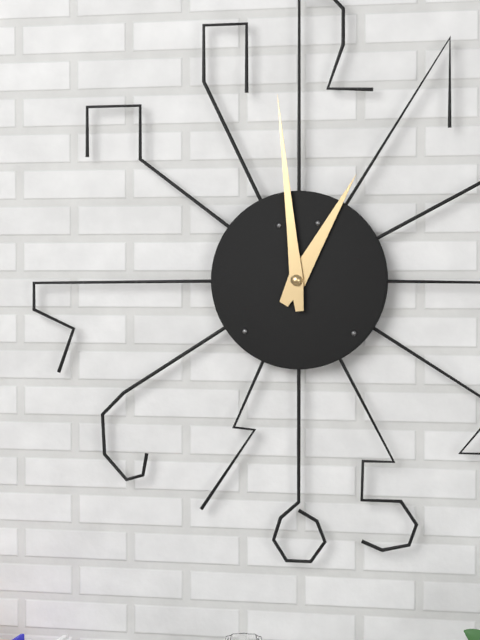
12:59
